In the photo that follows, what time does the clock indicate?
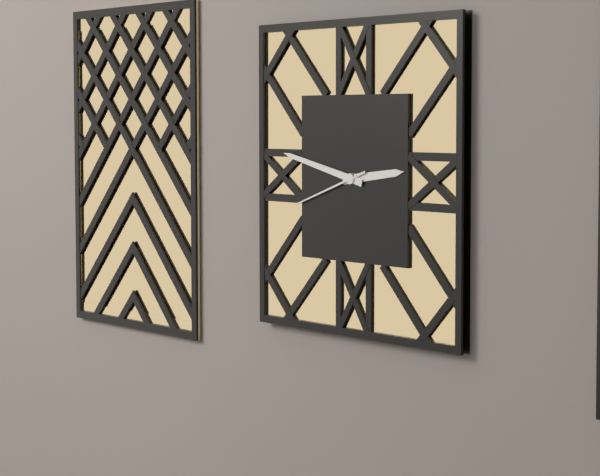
2:47:42
